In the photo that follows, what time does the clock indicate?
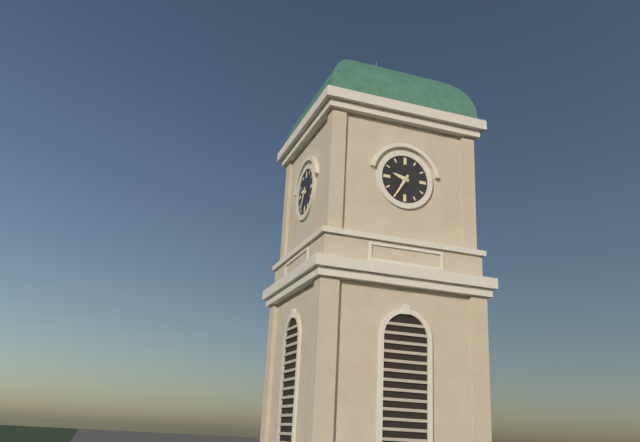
9:35
